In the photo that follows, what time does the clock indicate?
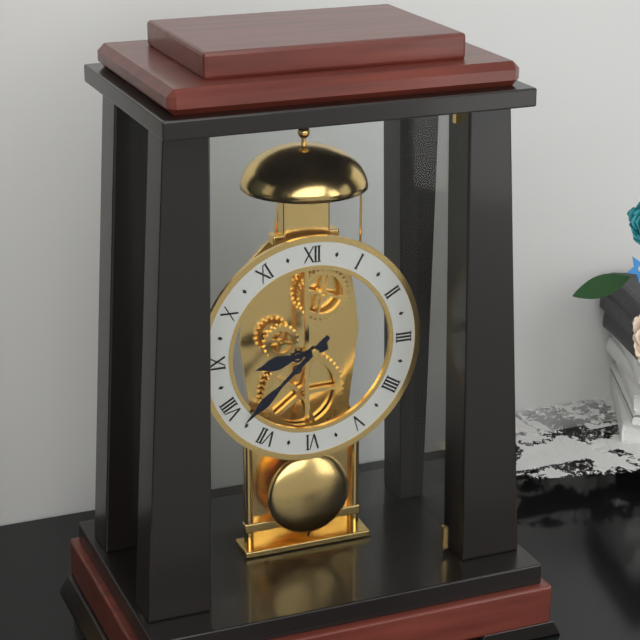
8:38
